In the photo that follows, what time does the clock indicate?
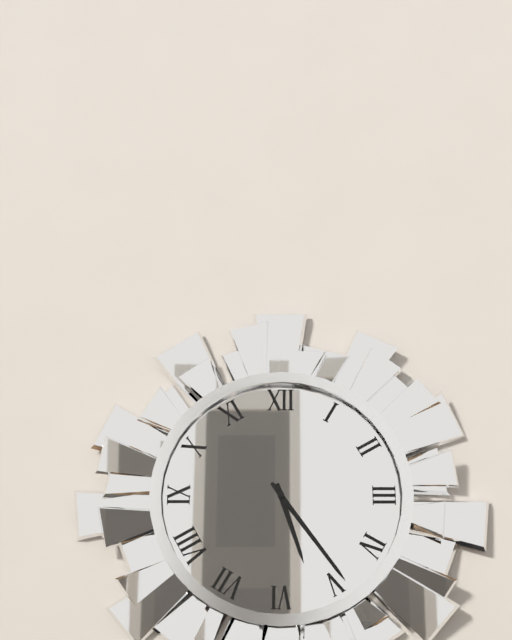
5:24
